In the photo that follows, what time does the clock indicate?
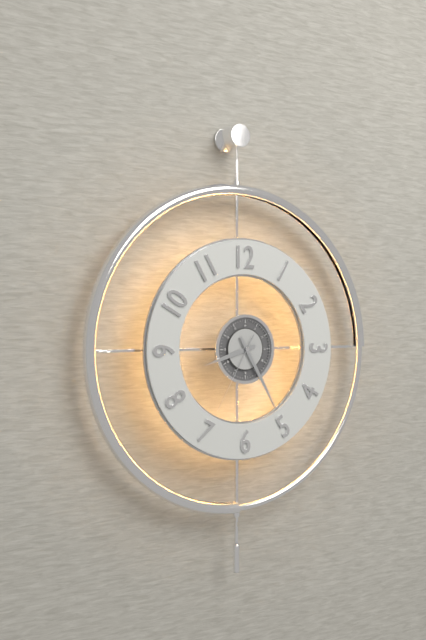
8:25:35
